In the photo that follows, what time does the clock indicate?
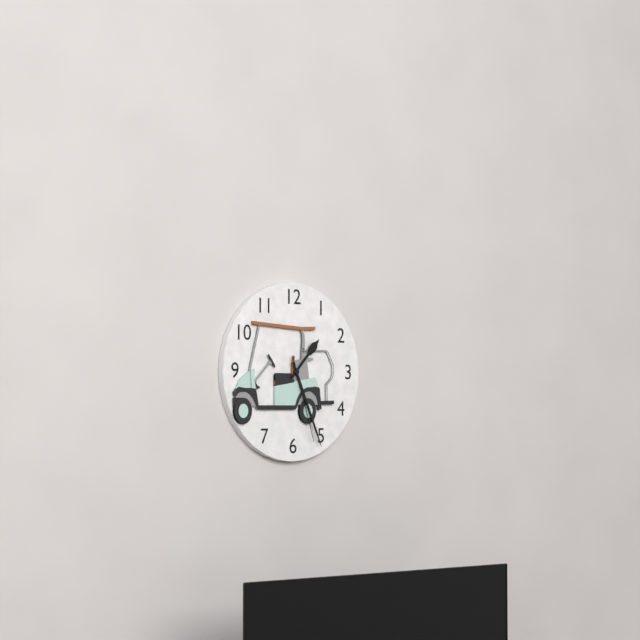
1:26:27
